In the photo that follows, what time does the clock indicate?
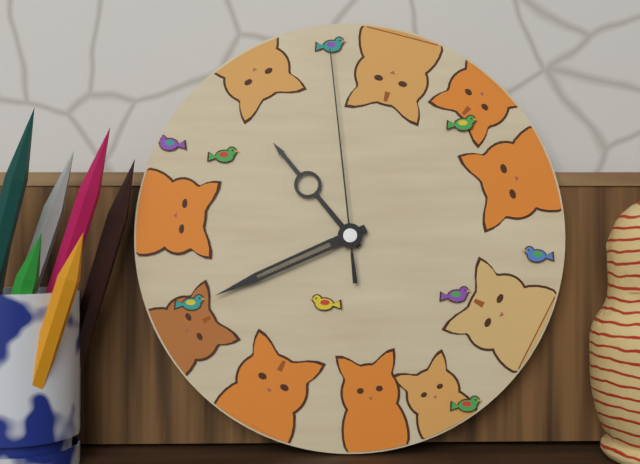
10:41:59
